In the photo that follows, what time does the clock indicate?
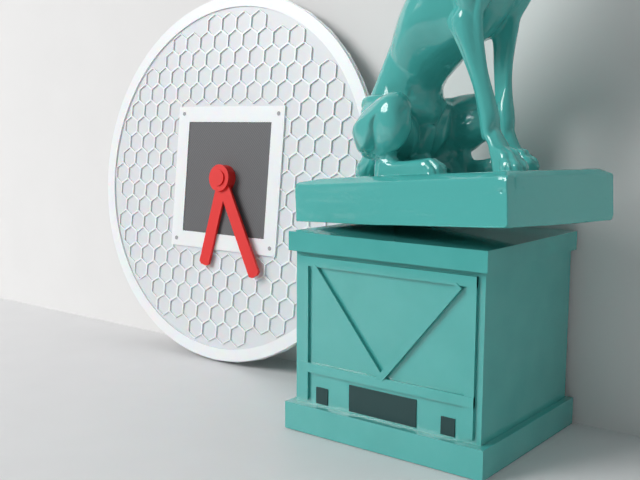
6:25
